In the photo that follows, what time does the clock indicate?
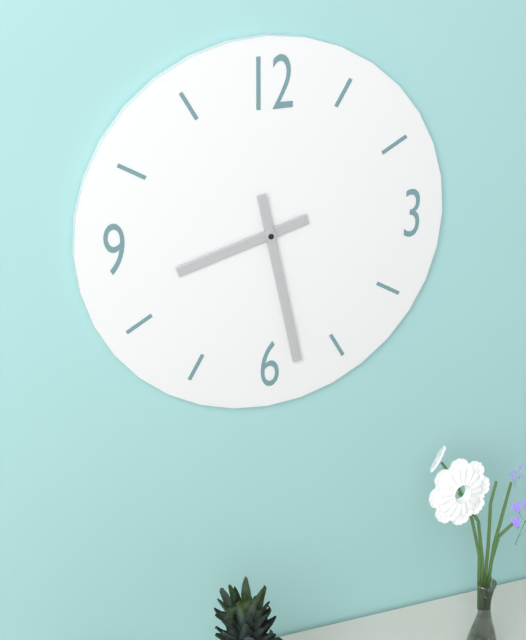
8:28
